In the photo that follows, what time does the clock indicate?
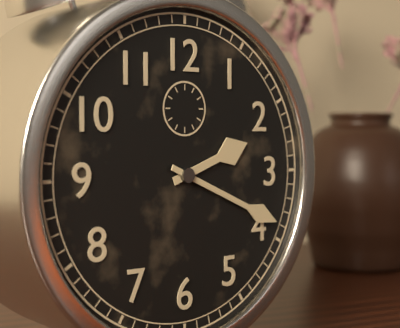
2:19
